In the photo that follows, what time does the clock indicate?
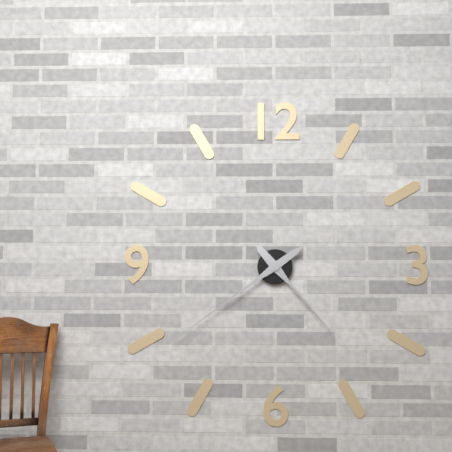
4:39
